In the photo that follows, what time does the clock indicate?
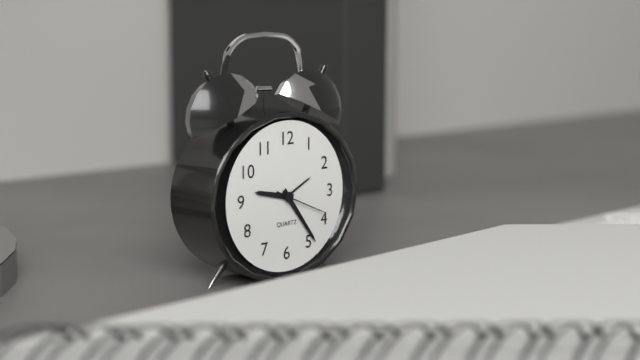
9:24:19
